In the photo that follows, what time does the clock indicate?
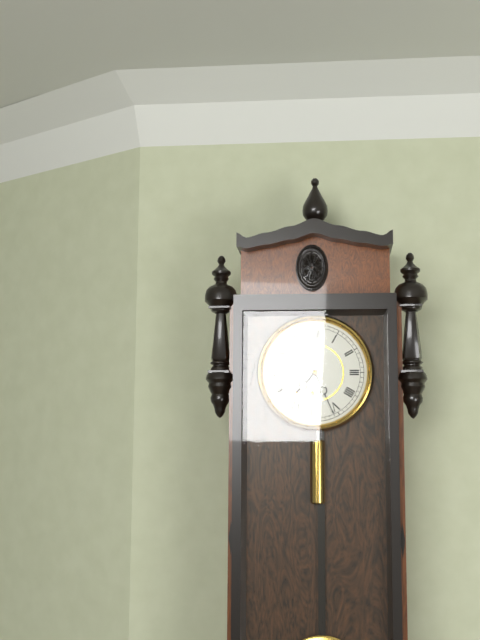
7:26
